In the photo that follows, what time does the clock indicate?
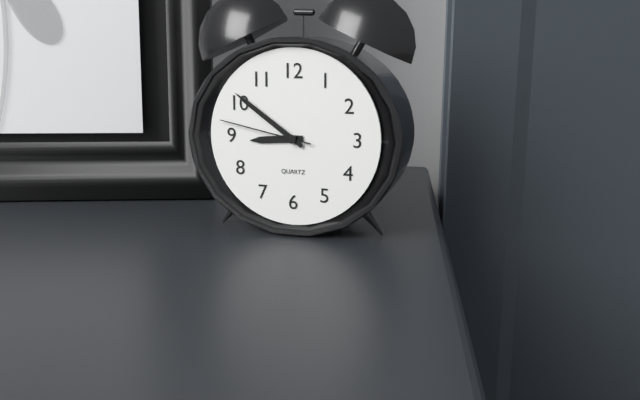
8:51:47
